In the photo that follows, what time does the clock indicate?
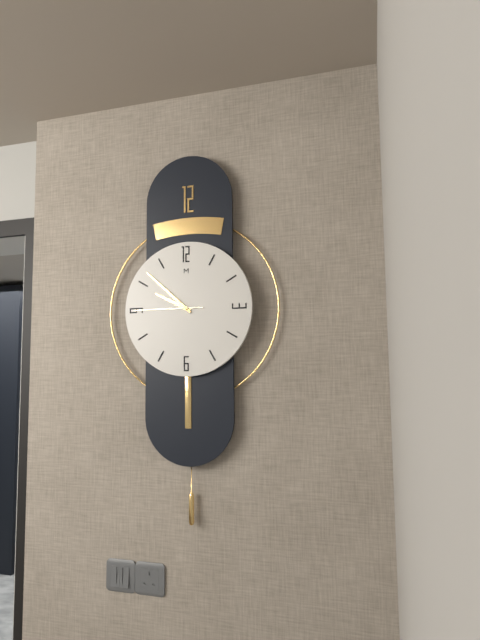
9:52:45
